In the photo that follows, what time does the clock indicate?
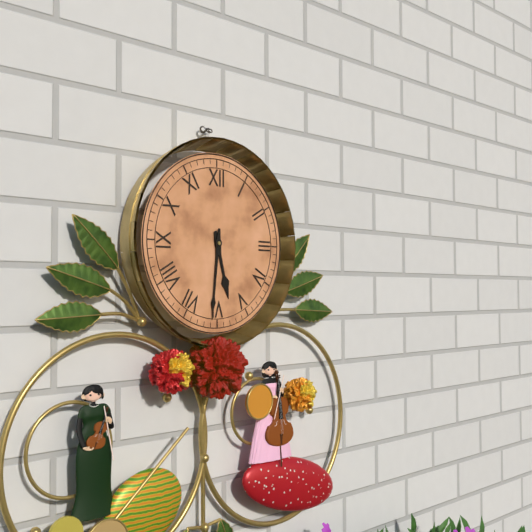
5:31
